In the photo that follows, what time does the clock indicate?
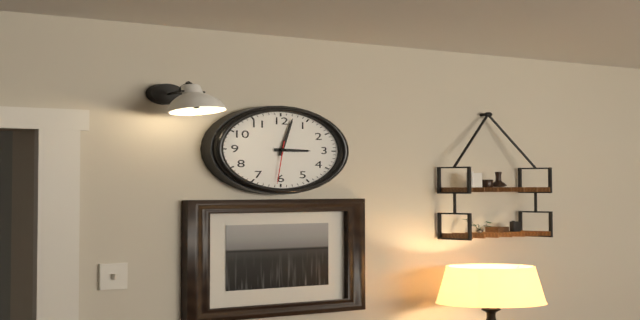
3:02
